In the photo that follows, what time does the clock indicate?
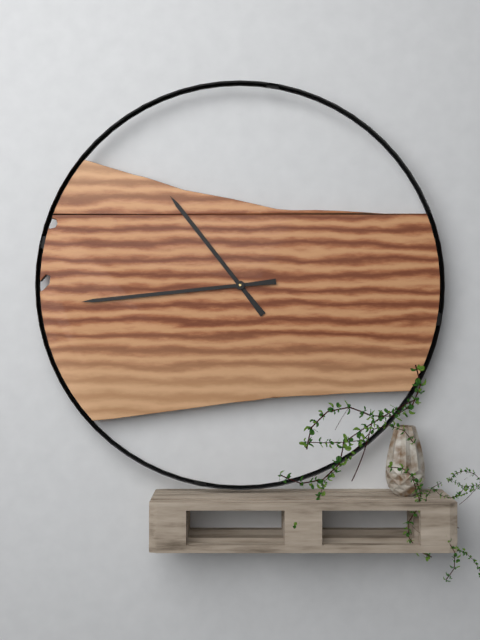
10:44
